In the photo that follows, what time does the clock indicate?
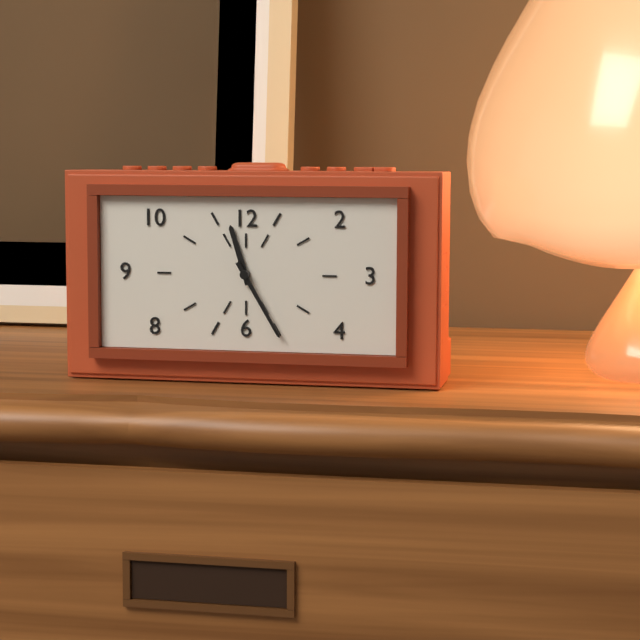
11:25
